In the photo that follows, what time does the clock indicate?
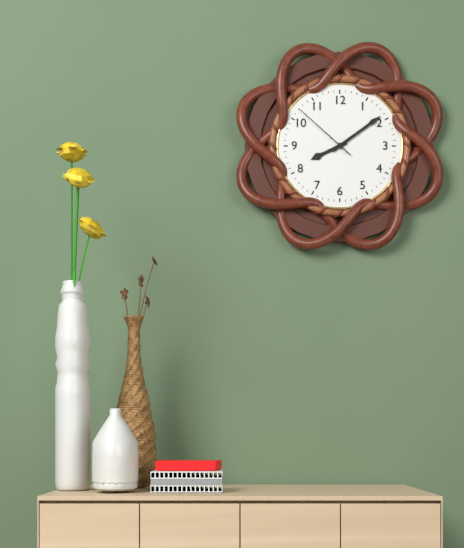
8:09:52
